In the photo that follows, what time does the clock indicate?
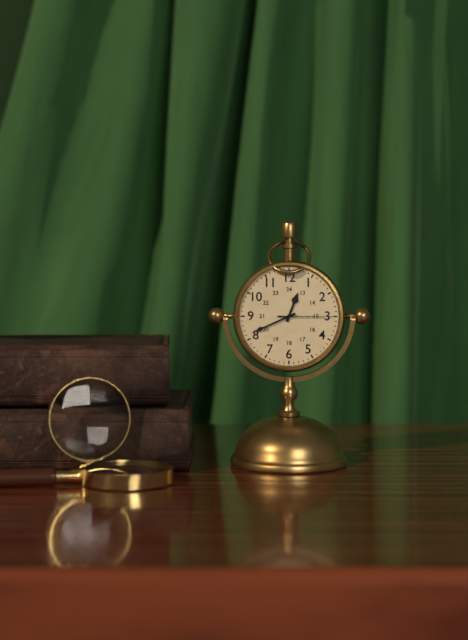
12:41:15
